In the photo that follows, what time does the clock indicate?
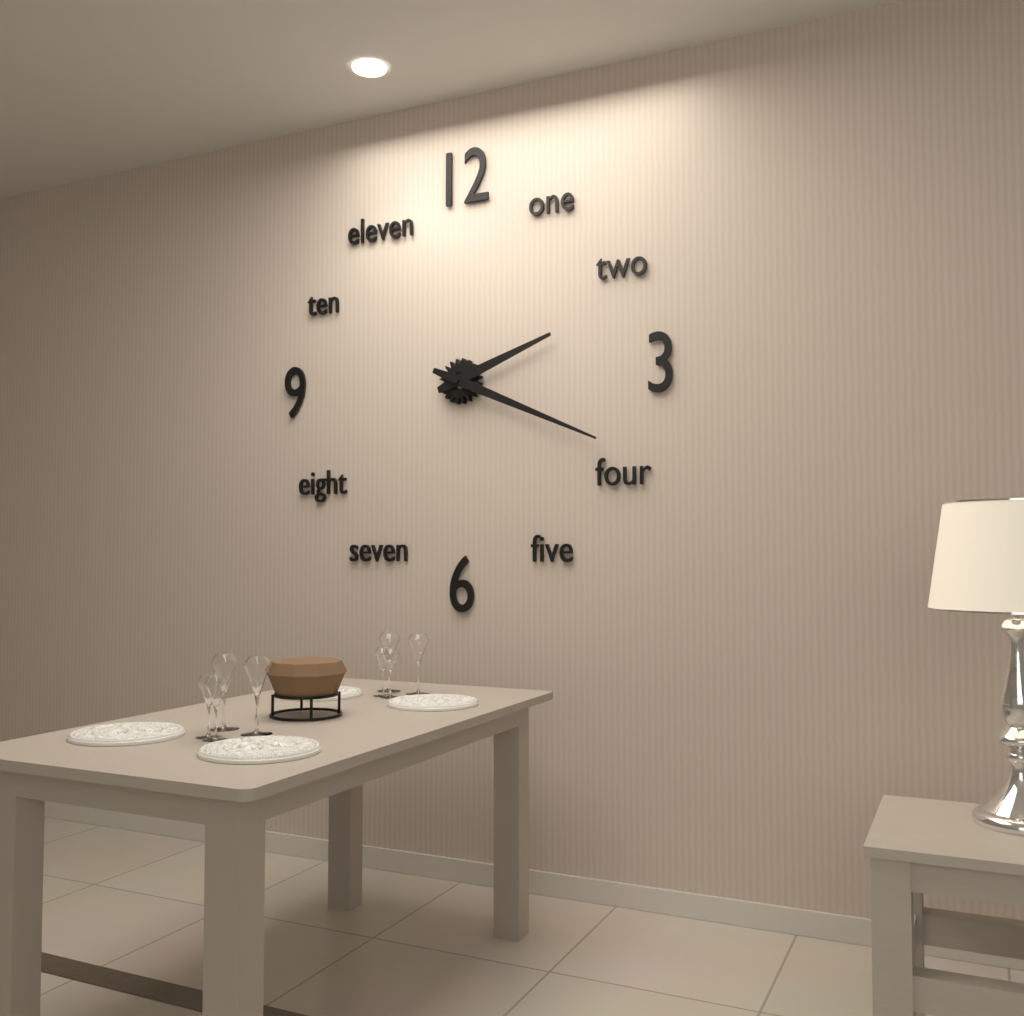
2:19
